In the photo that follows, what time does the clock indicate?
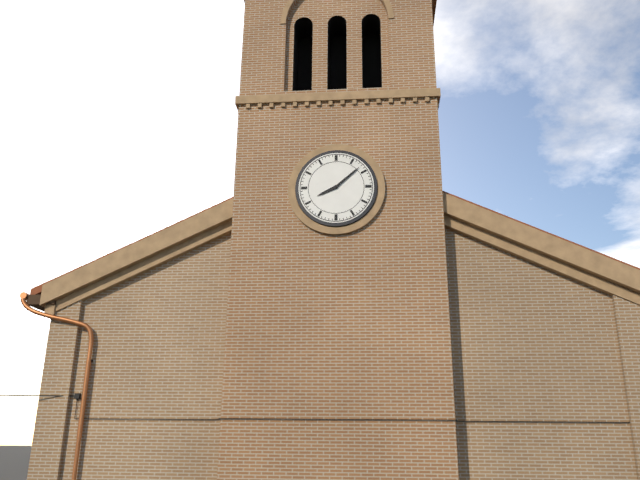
8:08
